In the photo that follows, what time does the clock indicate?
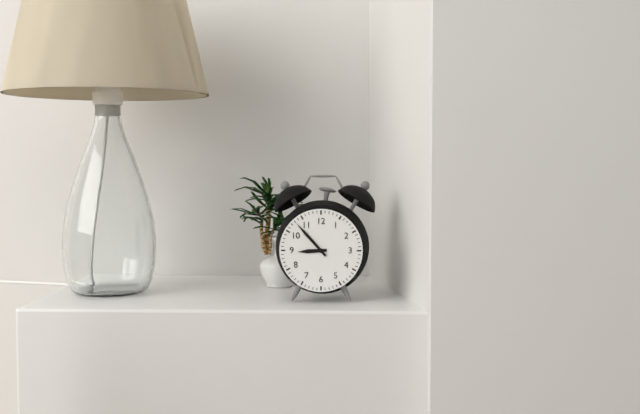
8:53
